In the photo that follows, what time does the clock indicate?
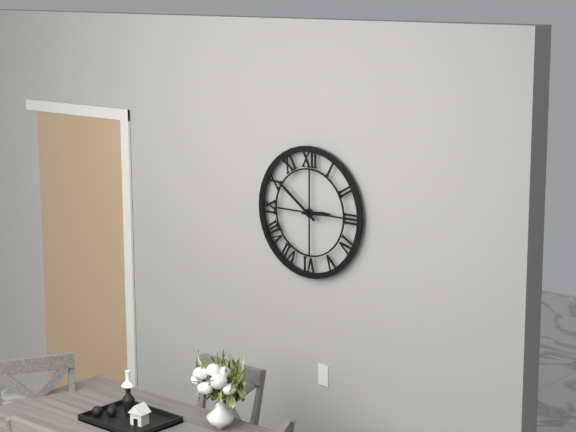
2:51
